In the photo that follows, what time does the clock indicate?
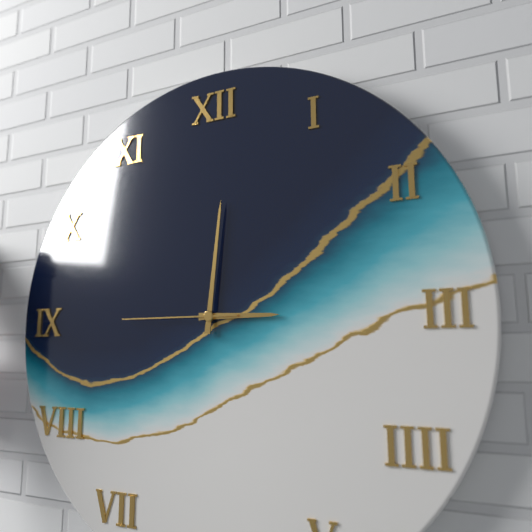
3:01:45
